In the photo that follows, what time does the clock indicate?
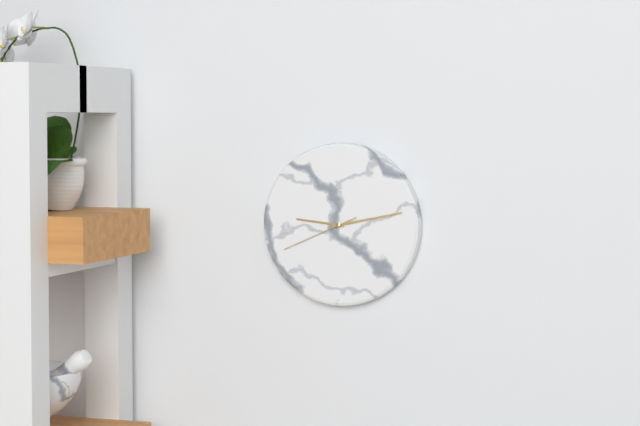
9:13:41
